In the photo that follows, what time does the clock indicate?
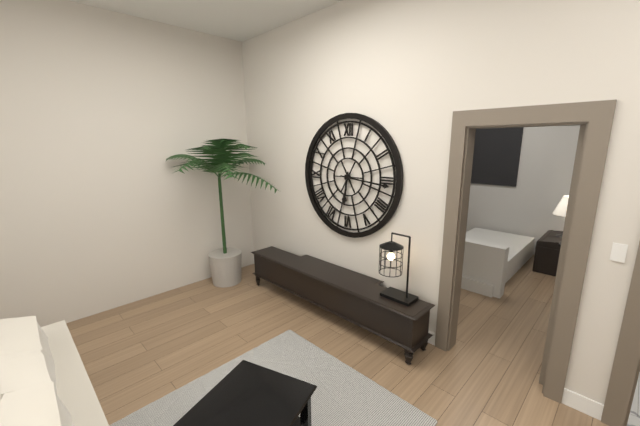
6:16
